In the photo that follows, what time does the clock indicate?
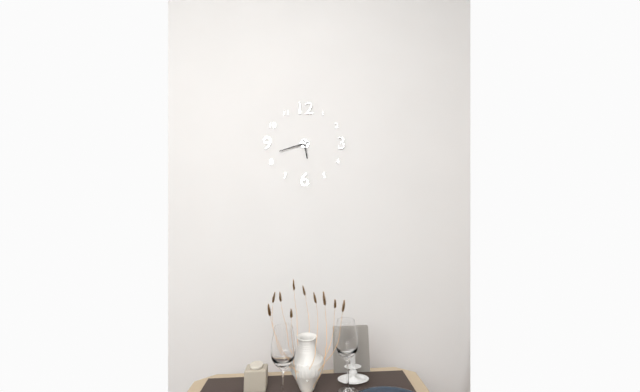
5:42
